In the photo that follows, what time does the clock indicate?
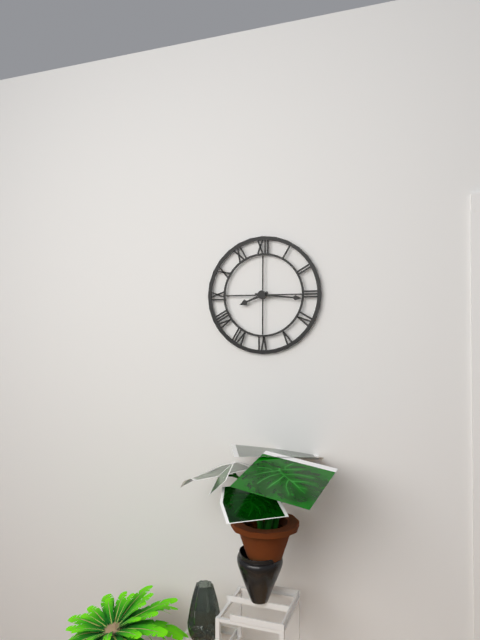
8:16
